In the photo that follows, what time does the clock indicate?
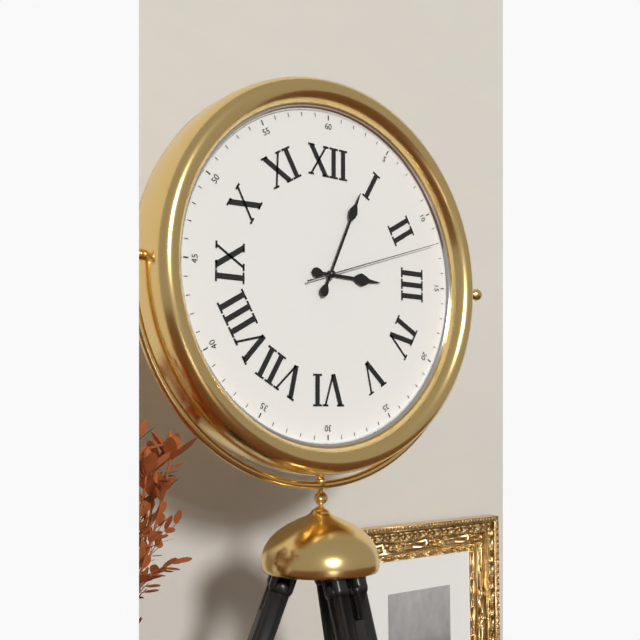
3:04:12
